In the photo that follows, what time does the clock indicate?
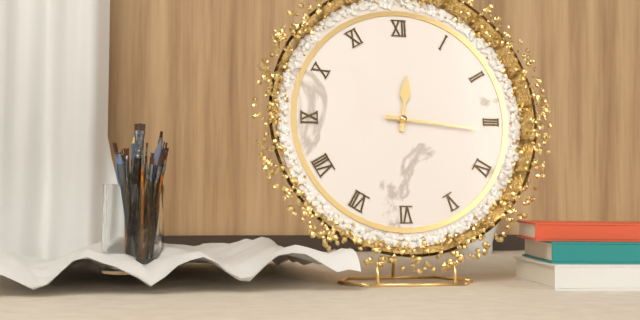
12:16
